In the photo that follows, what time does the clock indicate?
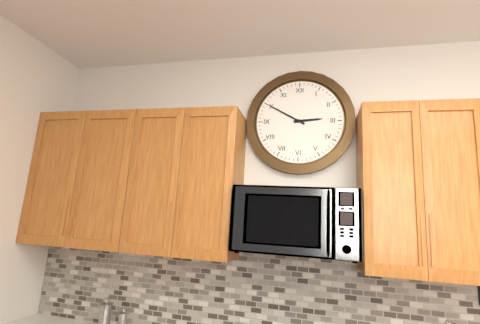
2:50
